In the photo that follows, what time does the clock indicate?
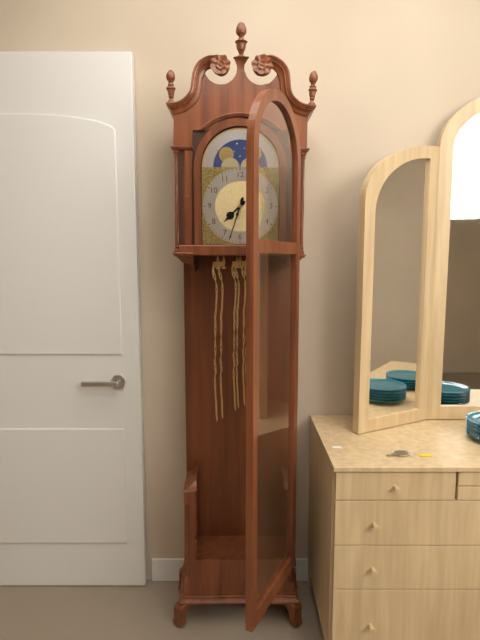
7:33
